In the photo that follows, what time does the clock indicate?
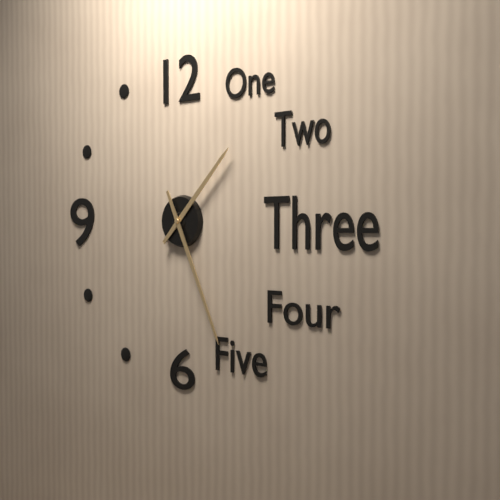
1:26
